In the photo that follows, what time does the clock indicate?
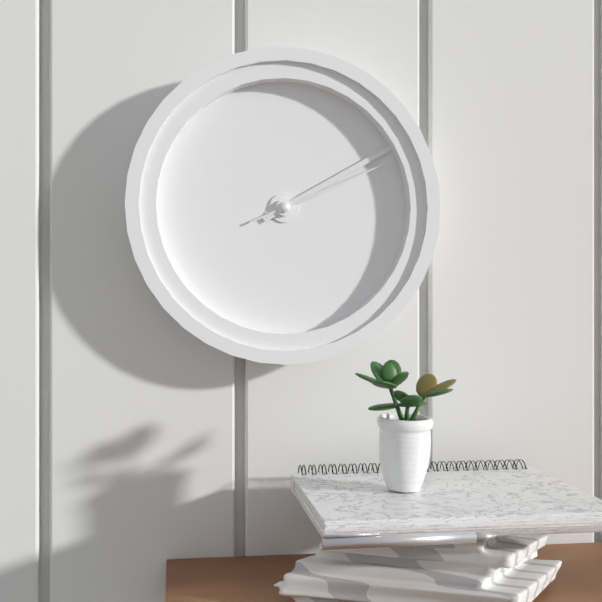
2:10:11
